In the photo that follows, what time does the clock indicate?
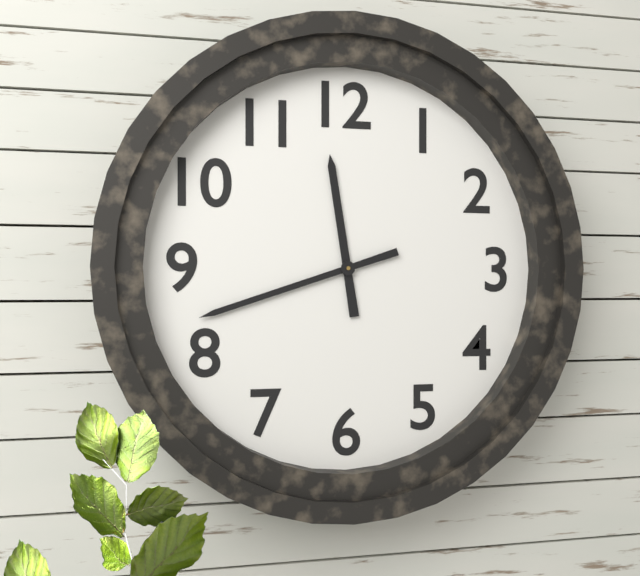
11:42
